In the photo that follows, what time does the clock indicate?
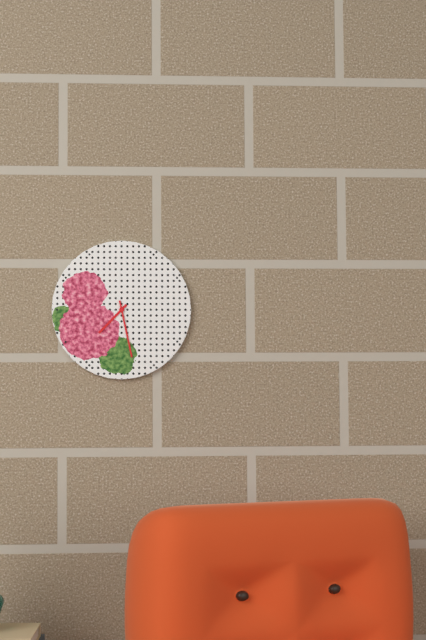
7:28
